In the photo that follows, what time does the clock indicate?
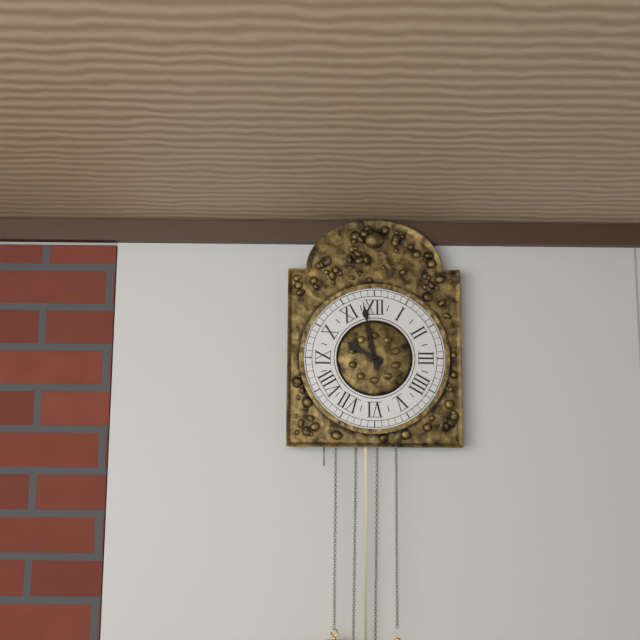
9:58
